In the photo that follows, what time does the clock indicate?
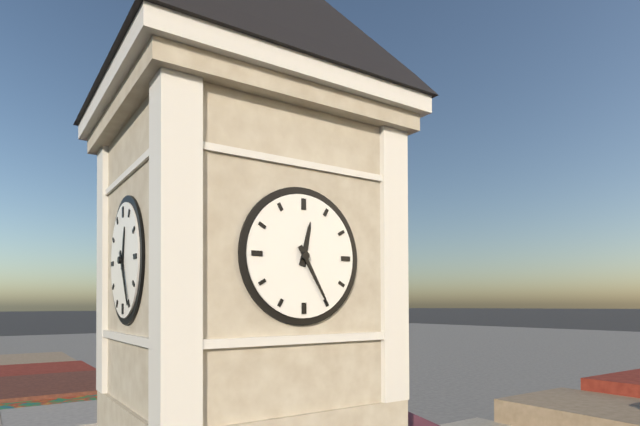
12:25
